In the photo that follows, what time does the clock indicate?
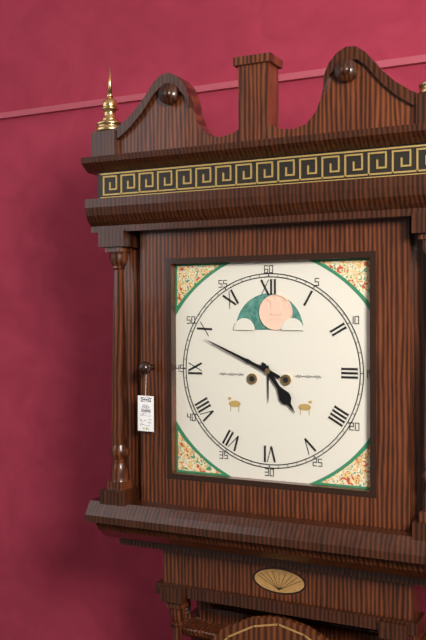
4:49
